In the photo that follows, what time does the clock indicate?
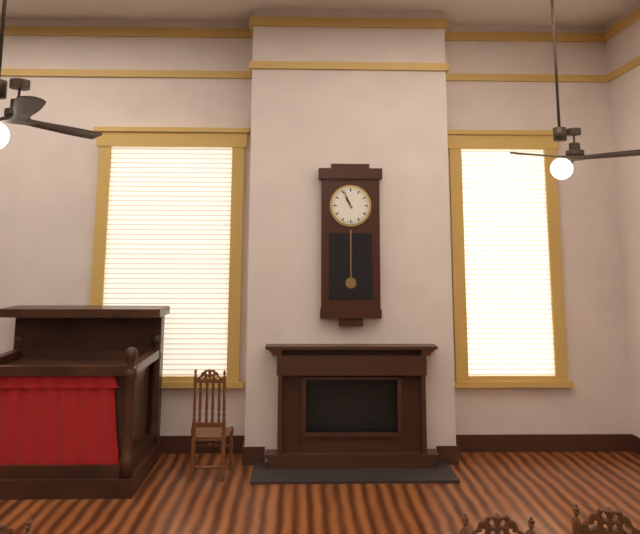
10:56
